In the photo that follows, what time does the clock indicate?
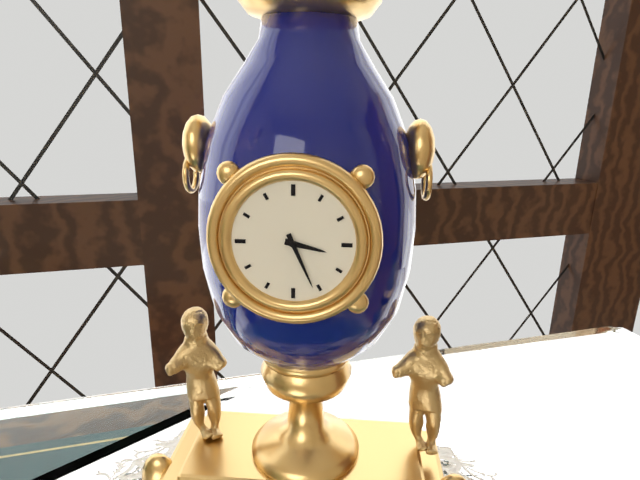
3:26
